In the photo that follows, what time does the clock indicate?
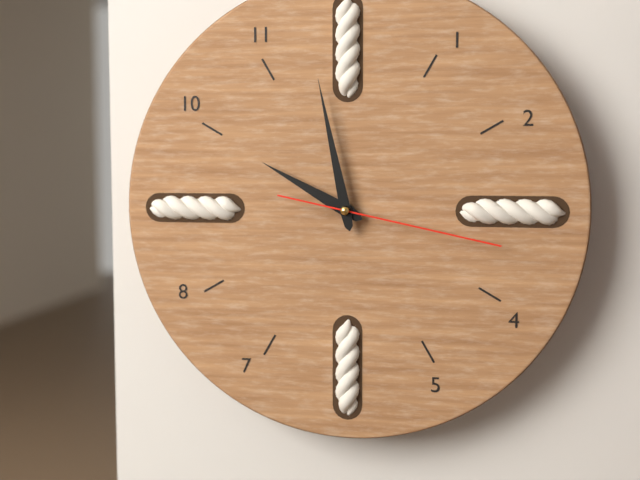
9:58:17
